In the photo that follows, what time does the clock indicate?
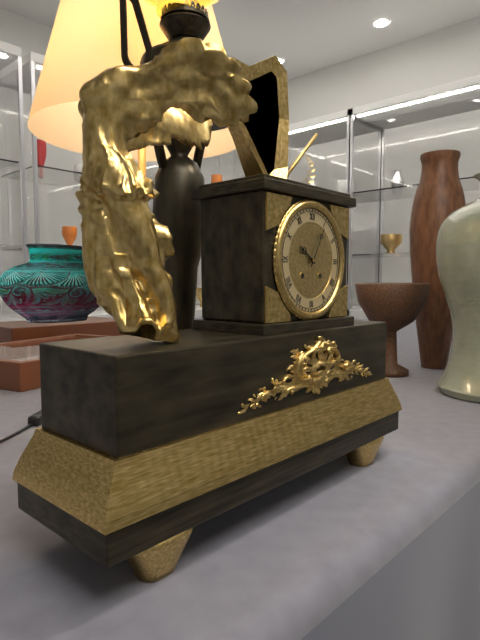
10:05
